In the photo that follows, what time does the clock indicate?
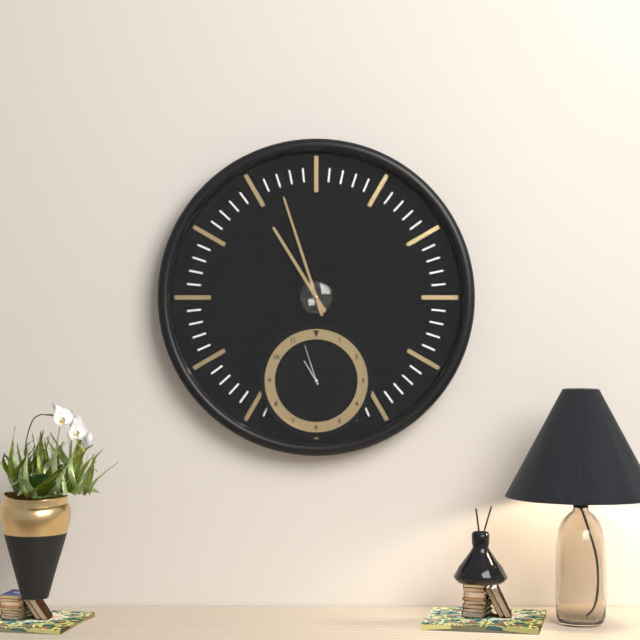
10:57
